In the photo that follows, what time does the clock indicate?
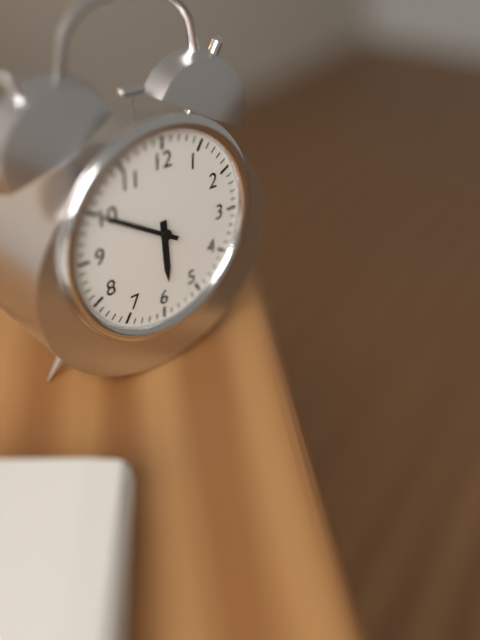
5:50
